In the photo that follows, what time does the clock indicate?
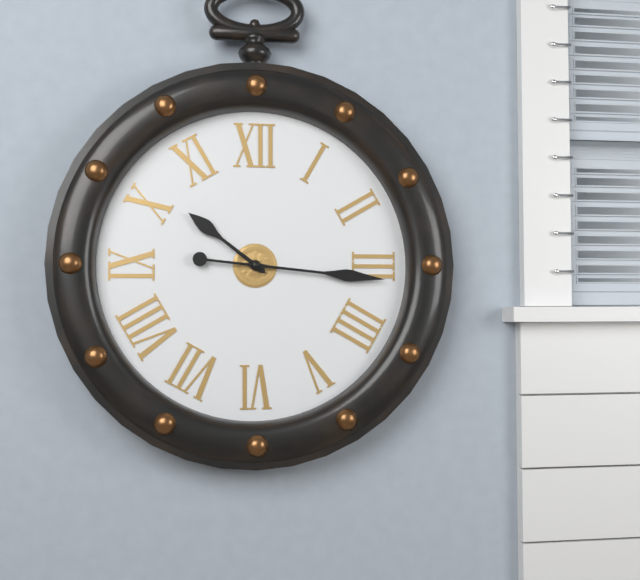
10:16
